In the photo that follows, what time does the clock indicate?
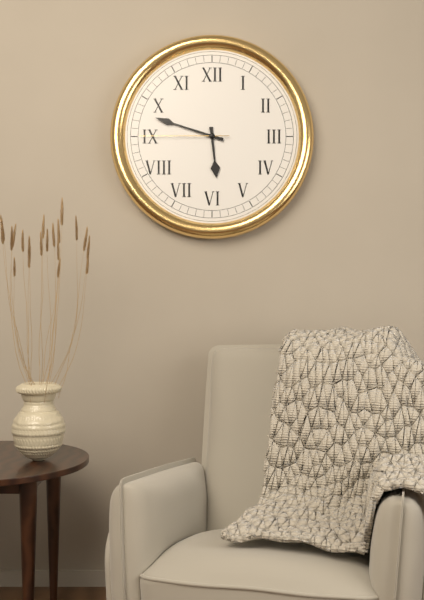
5:48:45
